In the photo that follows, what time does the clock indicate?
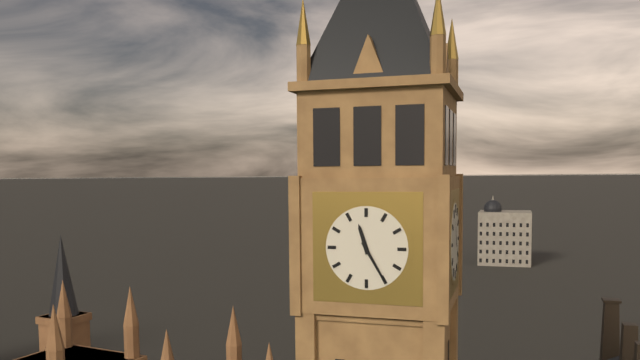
11:25
